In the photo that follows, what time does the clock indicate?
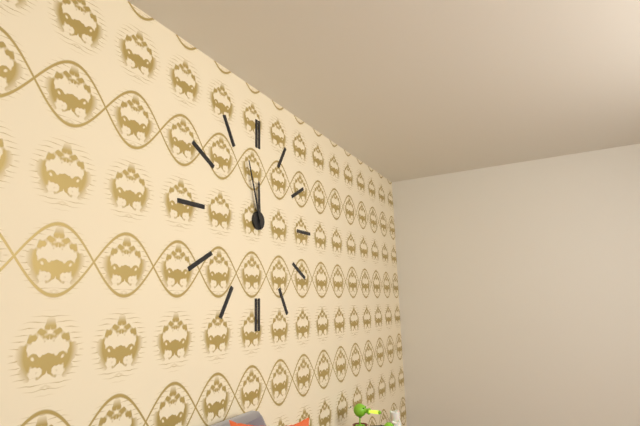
11:57
